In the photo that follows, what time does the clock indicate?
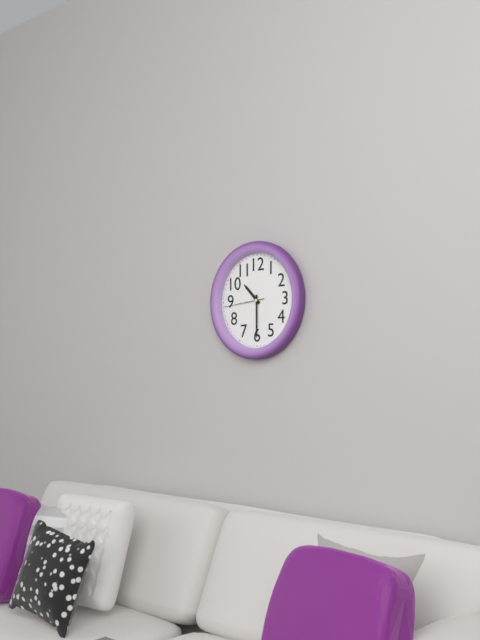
10:30
